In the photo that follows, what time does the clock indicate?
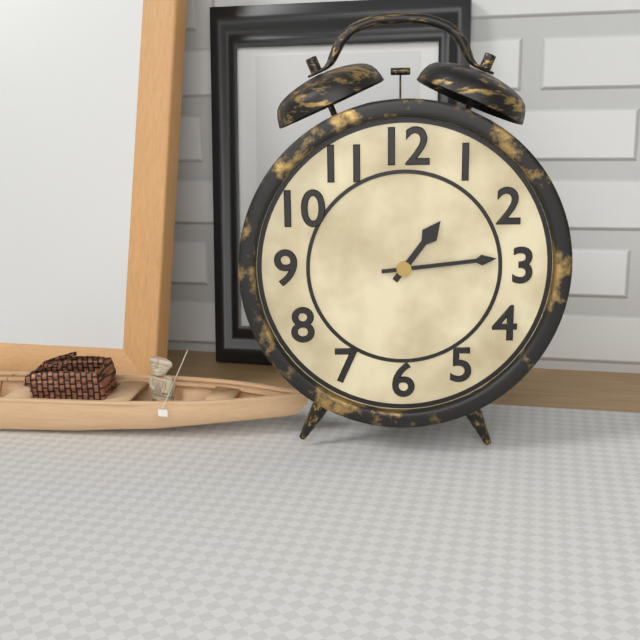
1:14
